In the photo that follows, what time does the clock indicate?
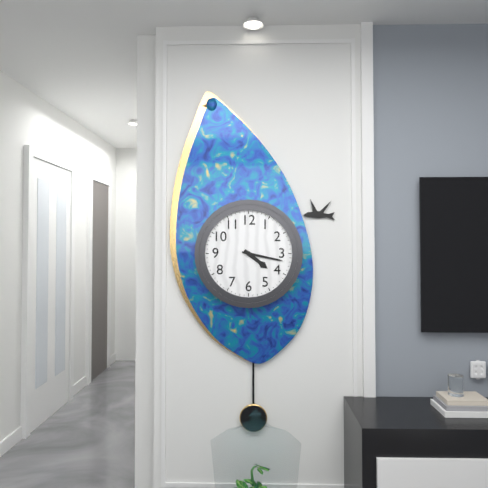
4:17
